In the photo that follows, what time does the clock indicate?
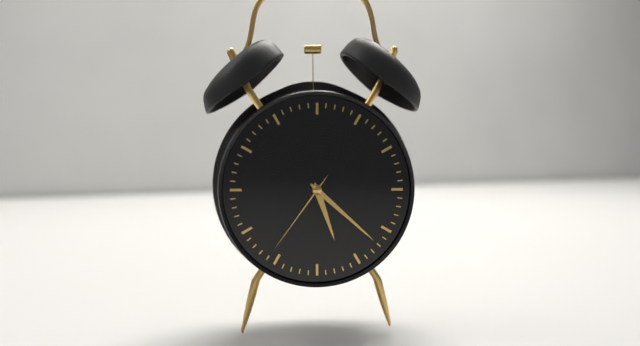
5:22:36
